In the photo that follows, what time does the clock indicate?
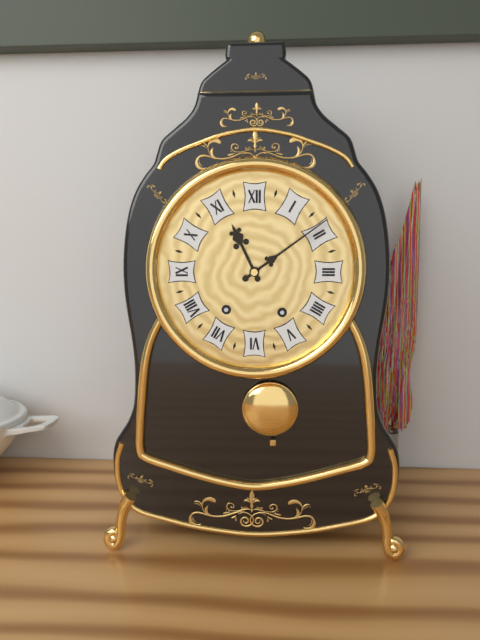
11:09
